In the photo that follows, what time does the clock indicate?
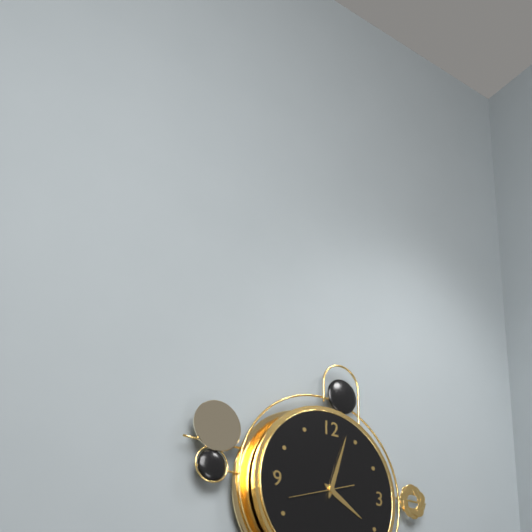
4:03:42
